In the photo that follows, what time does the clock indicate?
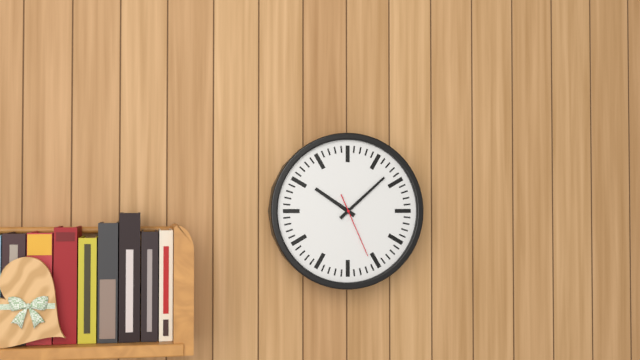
10:08:26
